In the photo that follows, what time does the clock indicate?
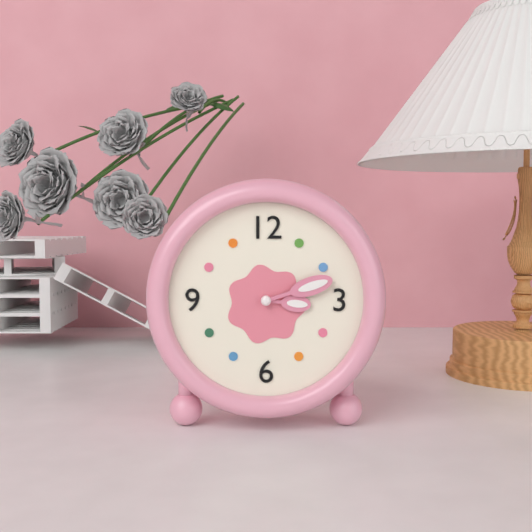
3:12
